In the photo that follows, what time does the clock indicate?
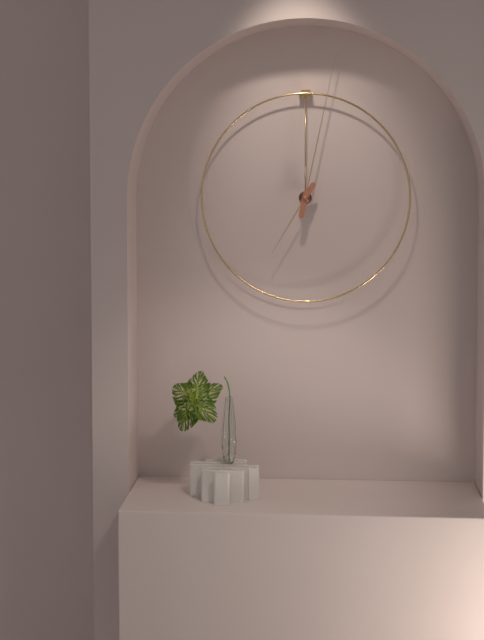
7:02
